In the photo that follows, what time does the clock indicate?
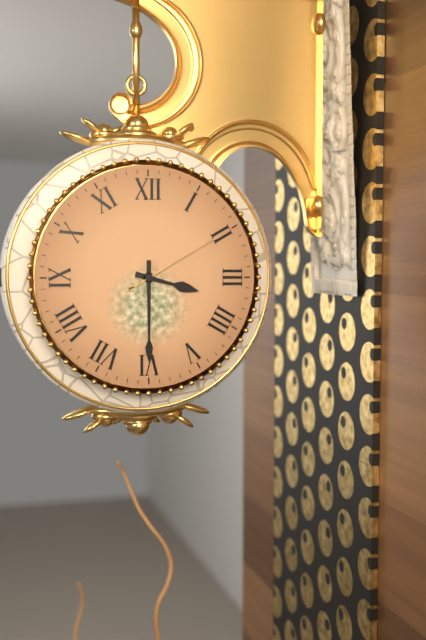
3:30:10
